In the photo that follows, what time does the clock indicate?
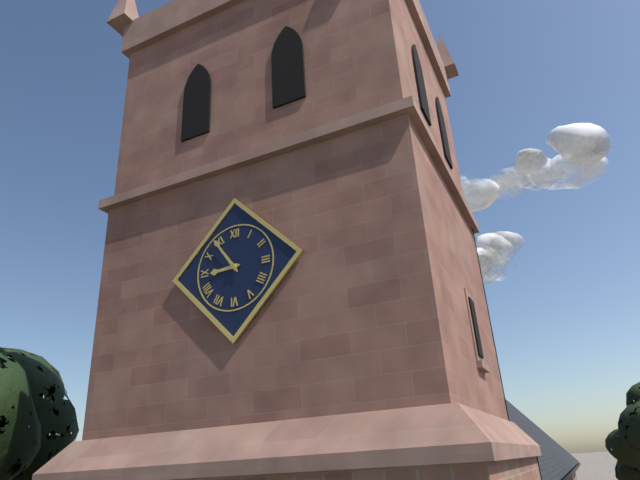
8:54
